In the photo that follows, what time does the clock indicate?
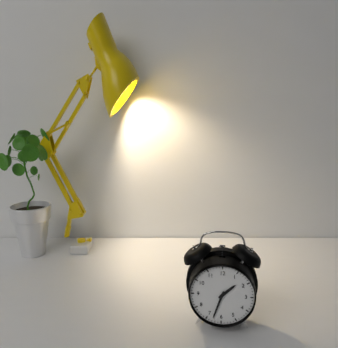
1:33
